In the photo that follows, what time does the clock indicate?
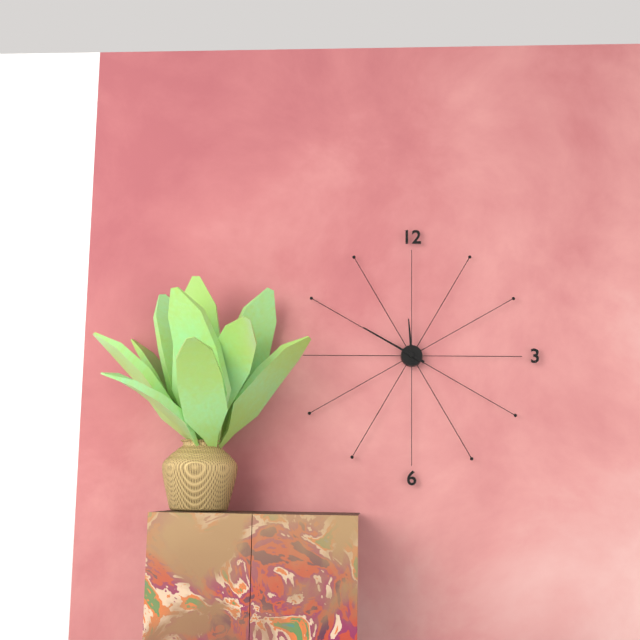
11:50
